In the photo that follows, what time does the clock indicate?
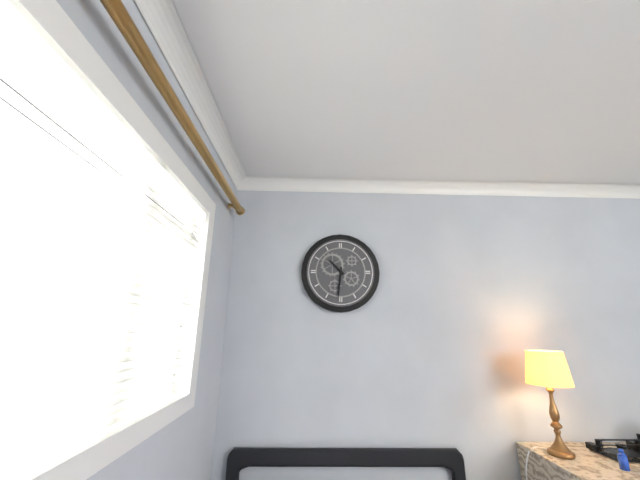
10:31
